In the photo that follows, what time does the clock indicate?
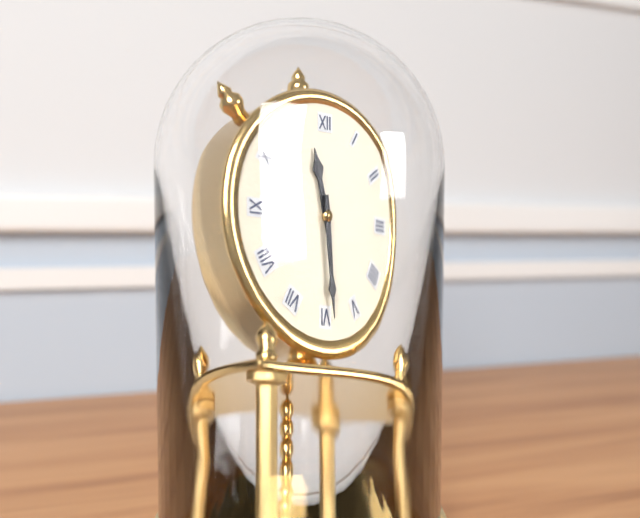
11:29
